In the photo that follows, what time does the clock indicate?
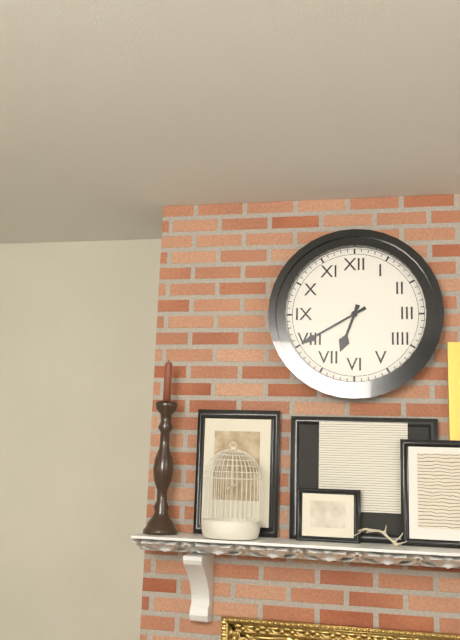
6:40
